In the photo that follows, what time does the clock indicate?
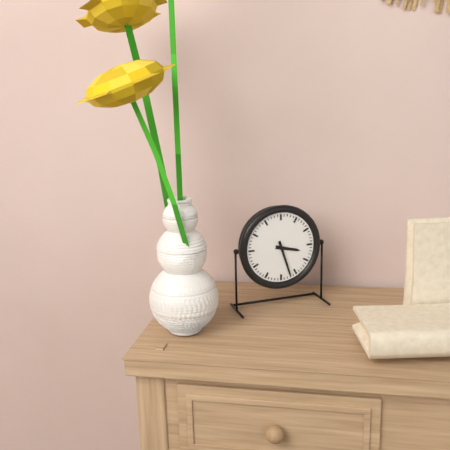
3:27
